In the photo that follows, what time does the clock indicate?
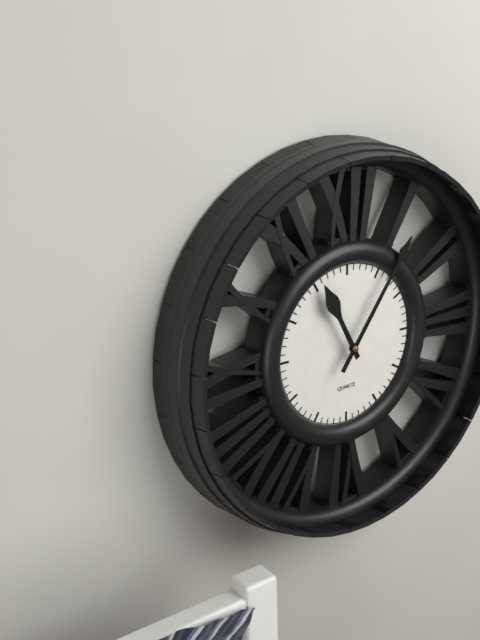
11:06
